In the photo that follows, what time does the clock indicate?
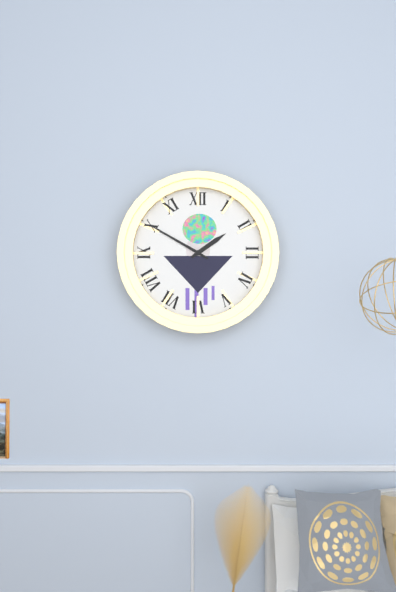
1:50
